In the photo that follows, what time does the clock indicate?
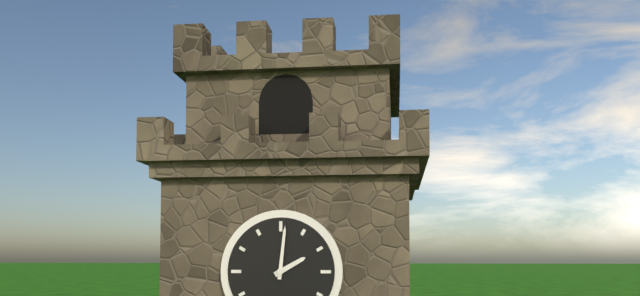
2:01
